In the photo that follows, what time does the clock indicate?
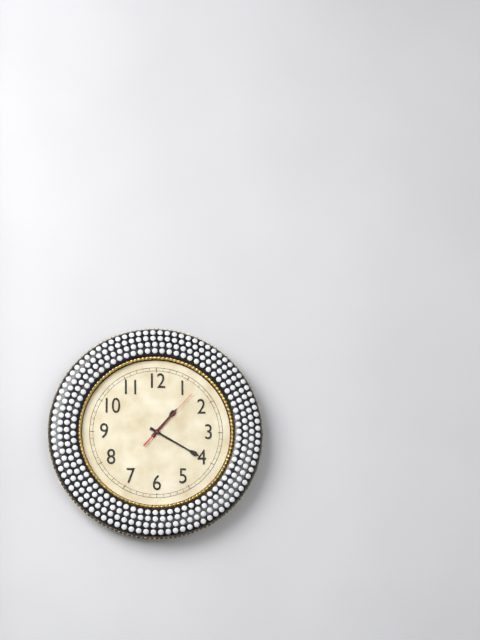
1:20:07
